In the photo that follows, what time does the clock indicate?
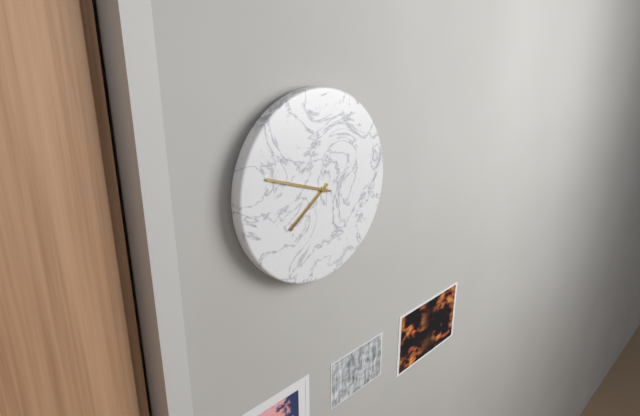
7:48
